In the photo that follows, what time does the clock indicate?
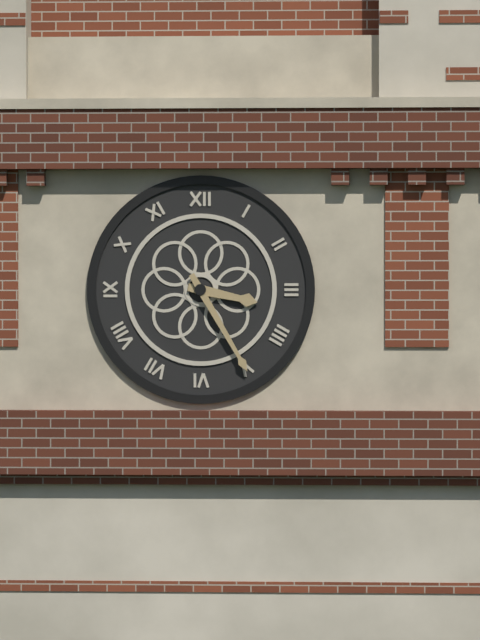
3:25
